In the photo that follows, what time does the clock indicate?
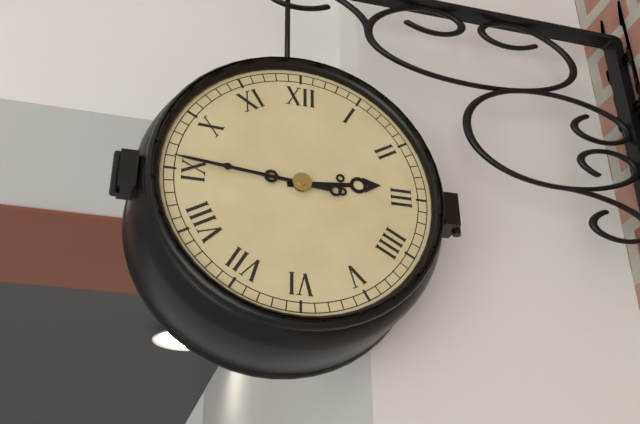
2:46
